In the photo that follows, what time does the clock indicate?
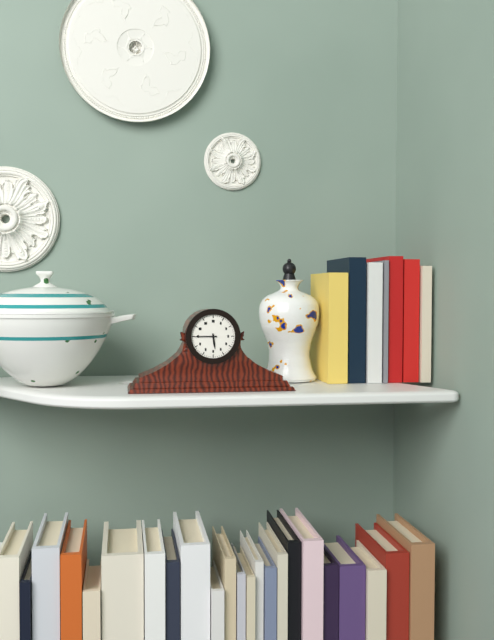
5:45
